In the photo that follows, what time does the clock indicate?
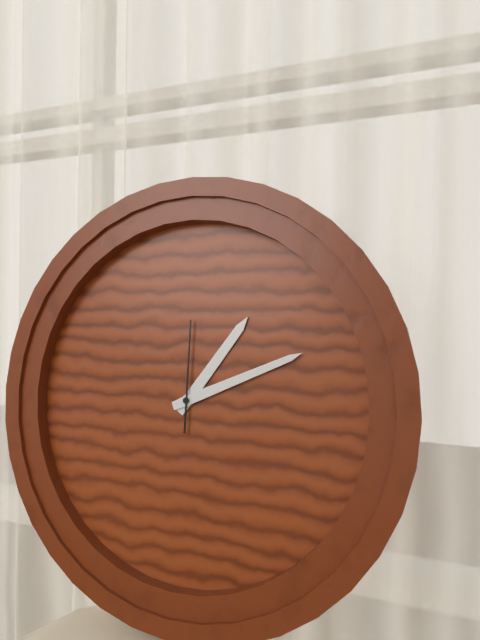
1:11:00
